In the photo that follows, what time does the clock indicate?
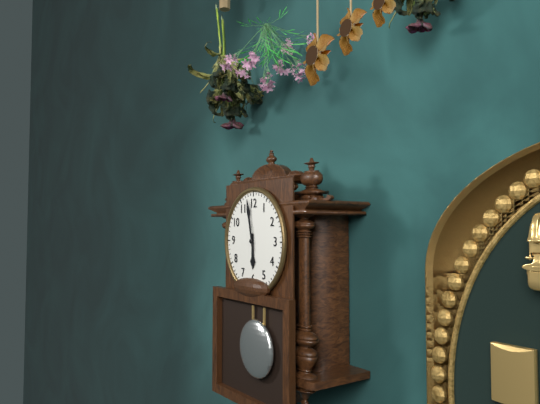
5:58
